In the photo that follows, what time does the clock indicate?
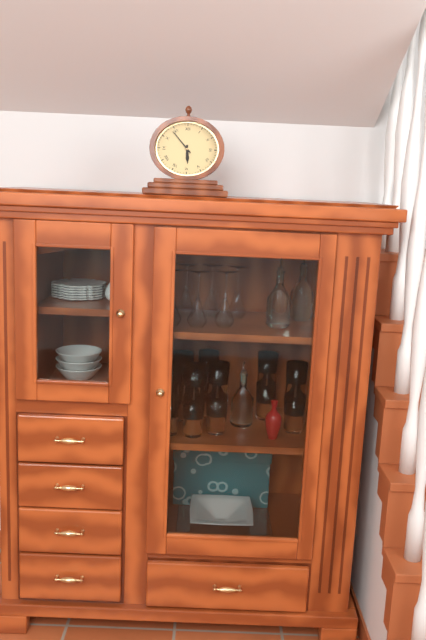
5:53
